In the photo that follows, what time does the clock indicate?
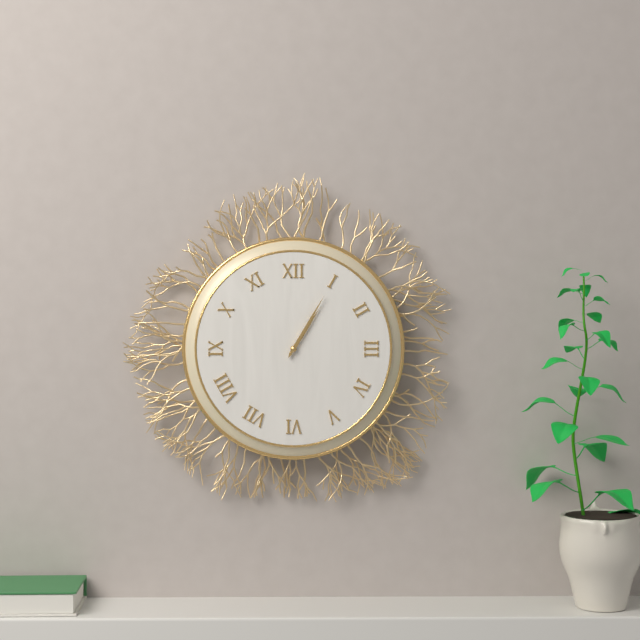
1:05
